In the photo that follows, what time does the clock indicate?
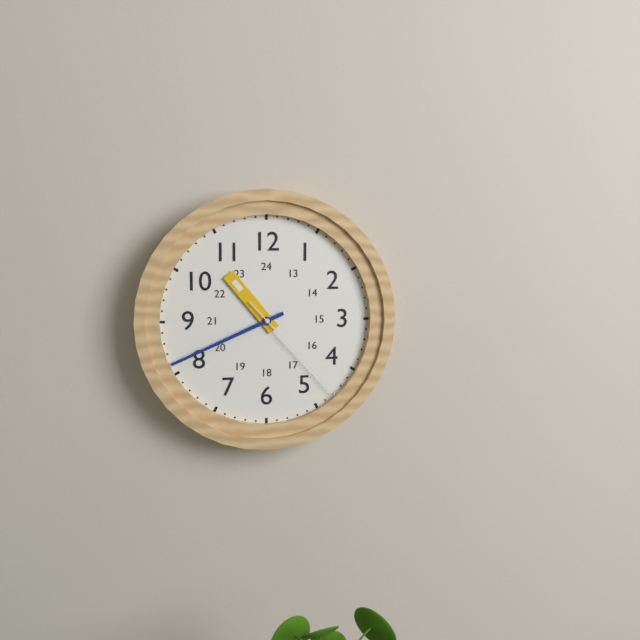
10:41:23
